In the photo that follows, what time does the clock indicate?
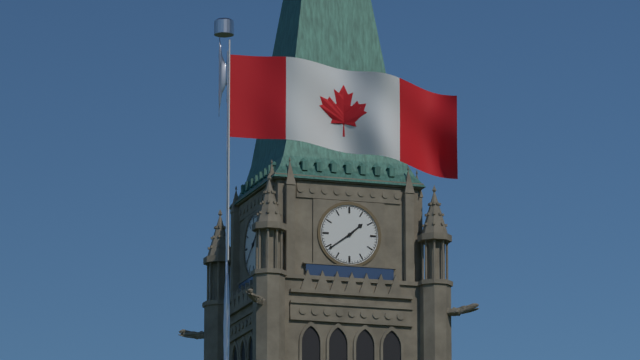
1:39
